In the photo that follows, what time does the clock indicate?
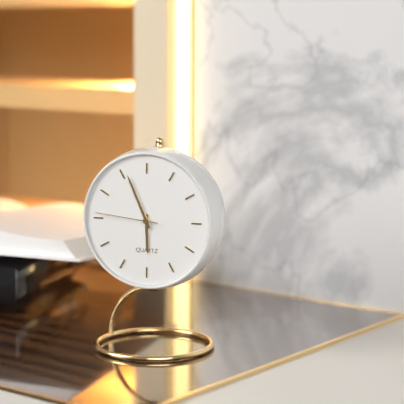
5:56:46
